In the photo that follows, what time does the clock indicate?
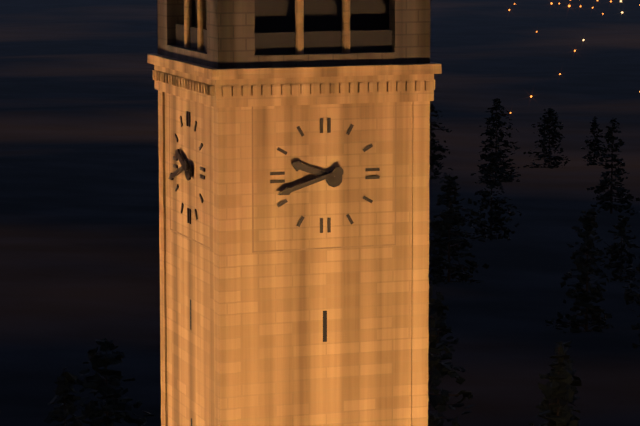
9:42
